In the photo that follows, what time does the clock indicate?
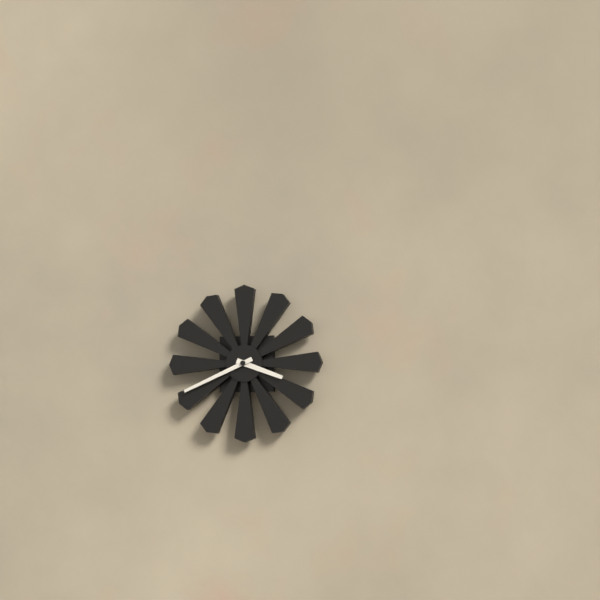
3:41
